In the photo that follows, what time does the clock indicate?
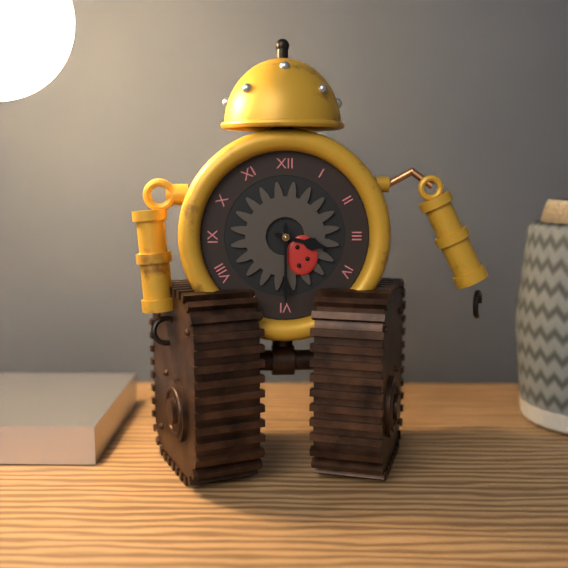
3:30
